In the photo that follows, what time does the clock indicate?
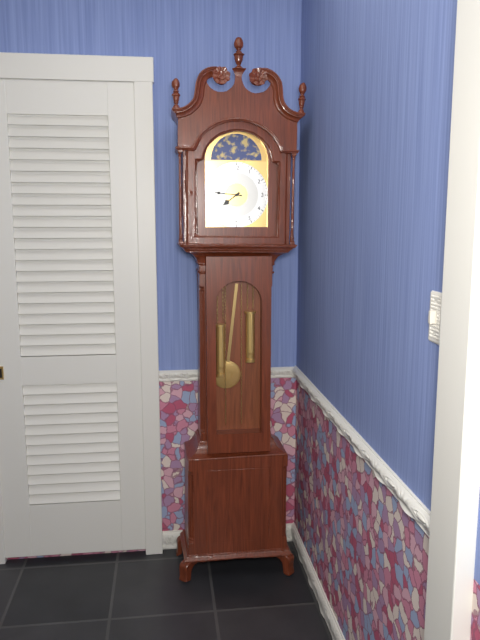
7:46
